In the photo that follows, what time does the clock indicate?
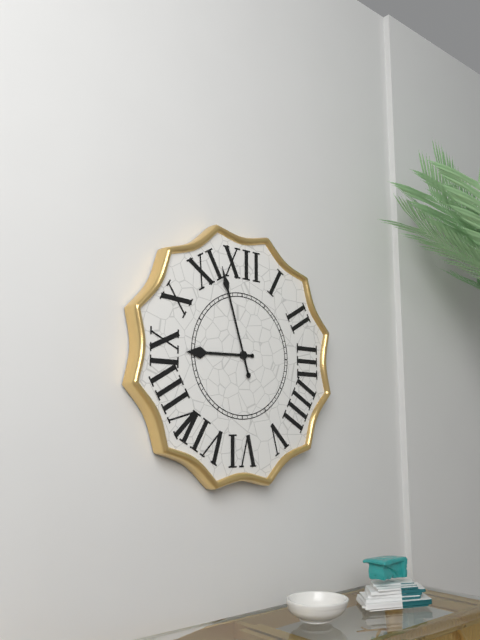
8:57
